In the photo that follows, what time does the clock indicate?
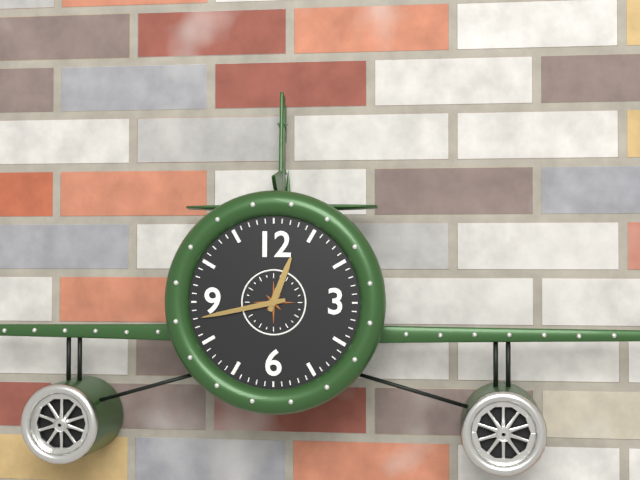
12:43
